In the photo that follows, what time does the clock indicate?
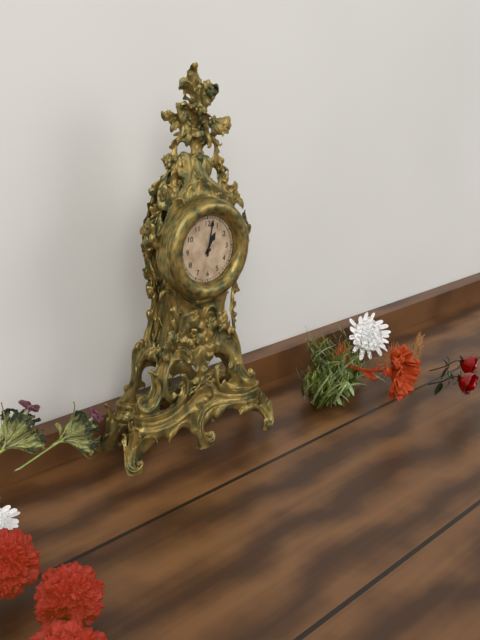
1:02
